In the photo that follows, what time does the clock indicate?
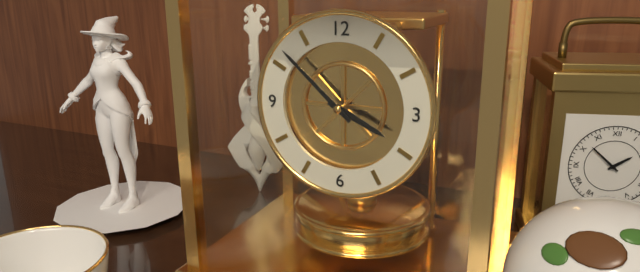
3:52
